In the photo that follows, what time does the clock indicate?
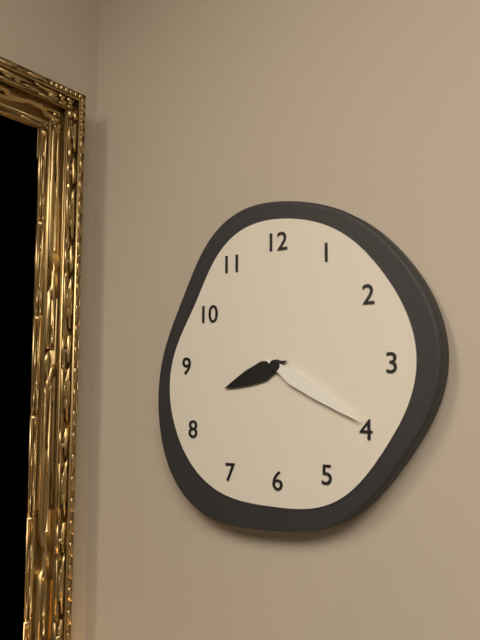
8:20
